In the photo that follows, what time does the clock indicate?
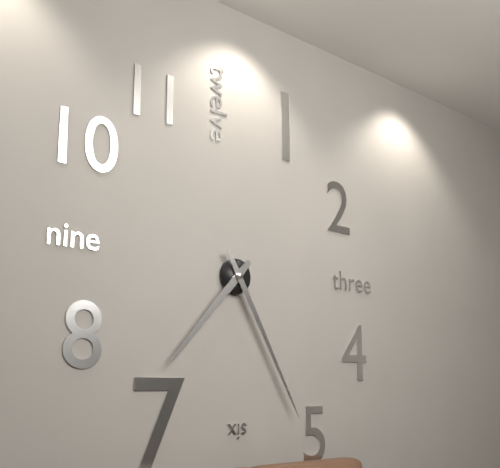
7:25
